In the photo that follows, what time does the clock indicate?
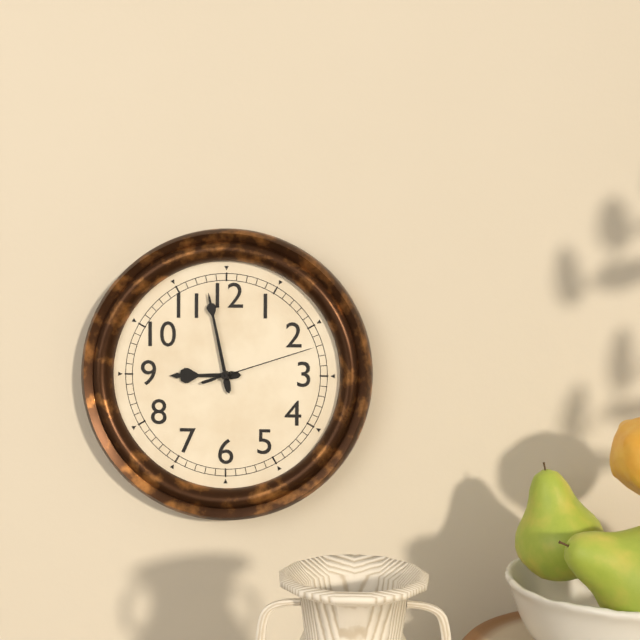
8:58:12
